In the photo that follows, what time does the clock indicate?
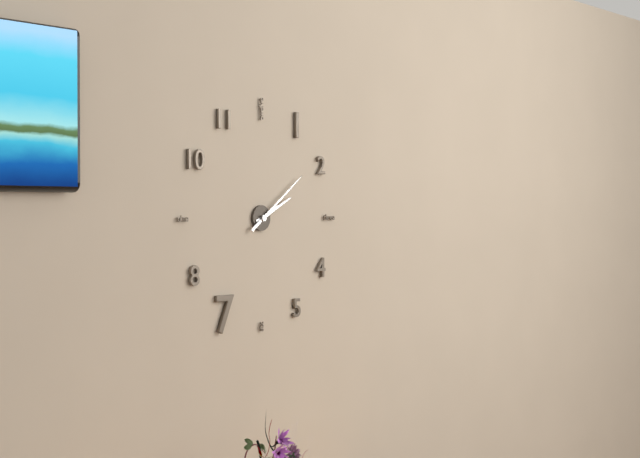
2:09
